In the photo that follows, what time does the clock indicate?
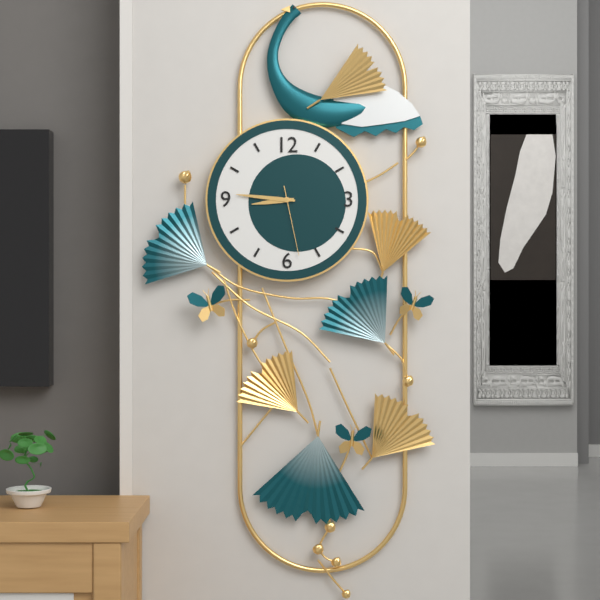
8:46:28
